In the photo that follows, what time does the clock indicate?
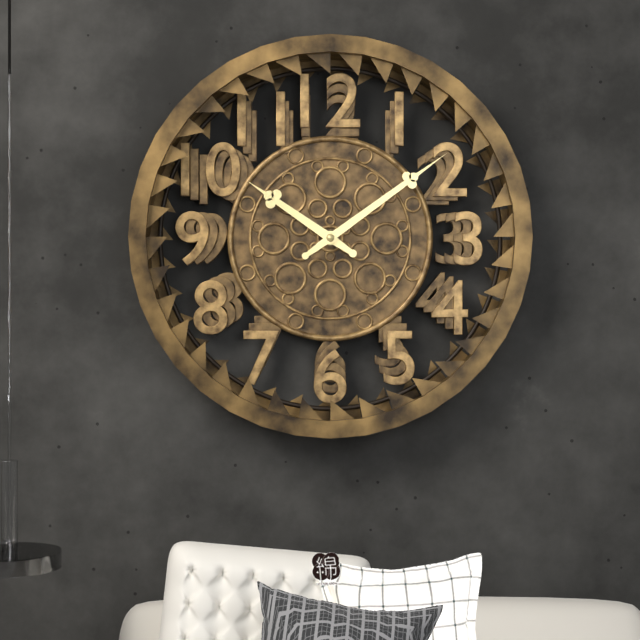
10:09
